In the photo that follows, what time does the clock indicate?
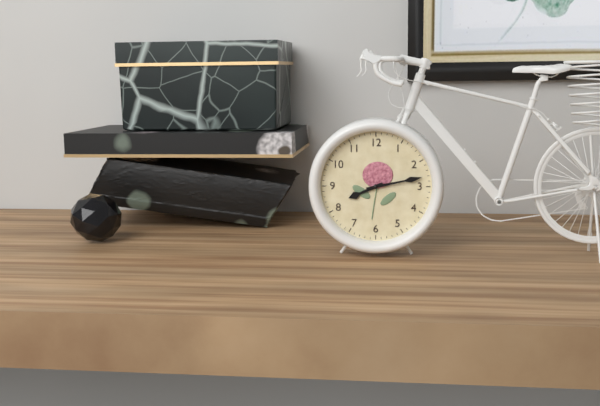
8:13
